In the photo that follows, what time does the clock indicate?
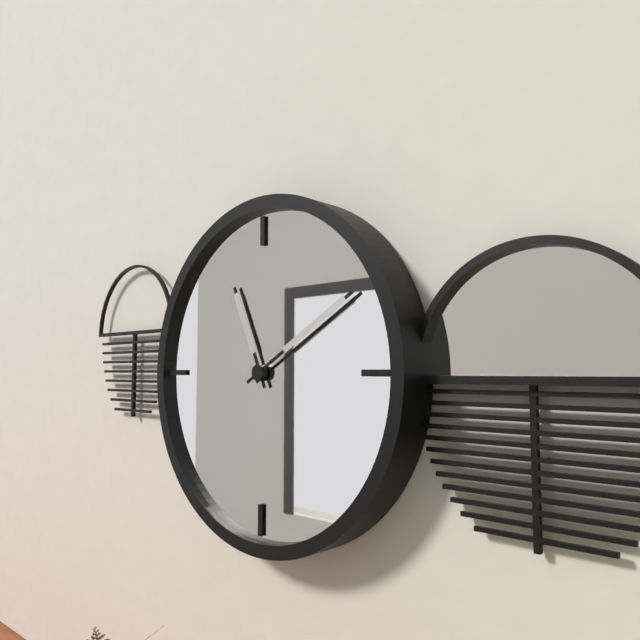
11:10
